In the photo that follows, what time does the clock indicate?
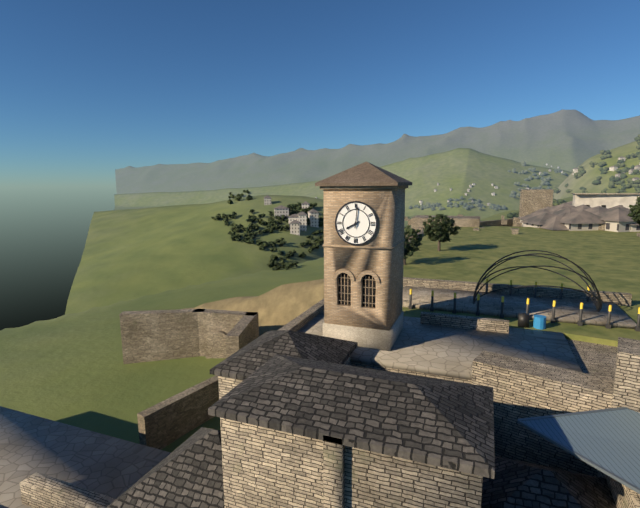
8:01
